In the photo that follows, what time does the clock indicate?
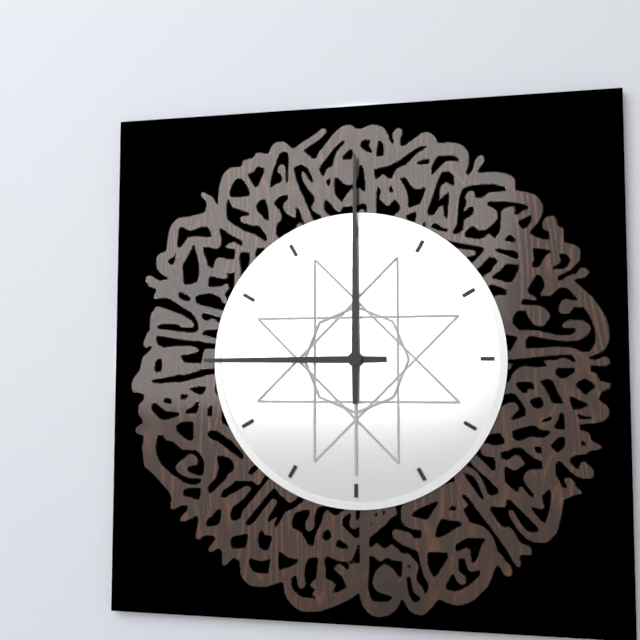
9:00
